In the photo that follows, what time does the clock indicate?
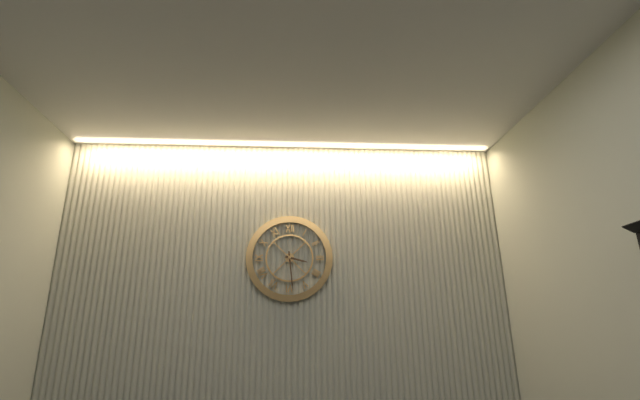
3:29
